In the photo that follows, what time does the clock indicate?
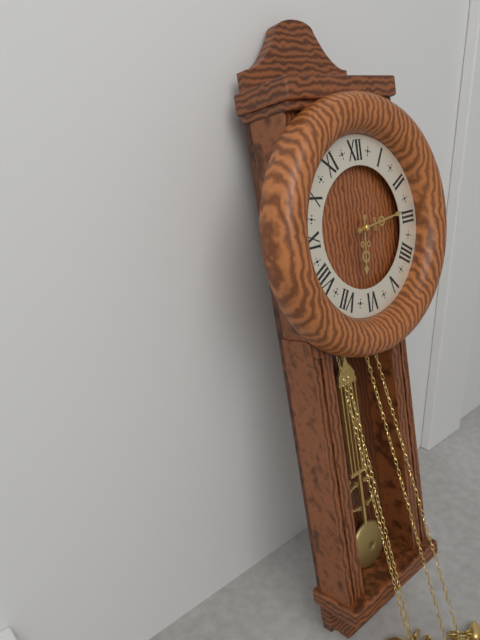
6:14
